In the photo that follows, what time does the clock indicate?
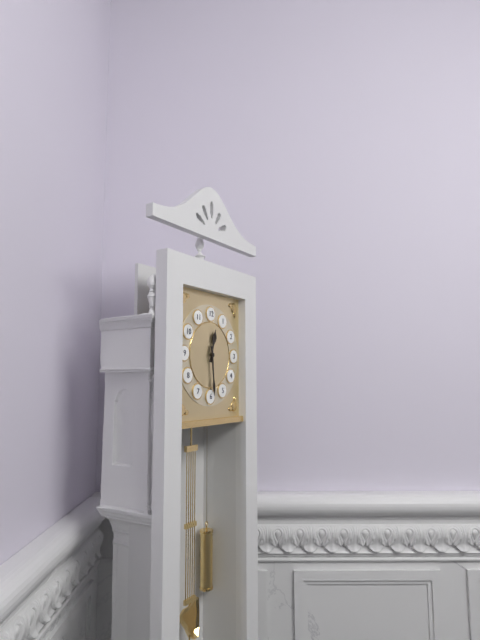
12:29
